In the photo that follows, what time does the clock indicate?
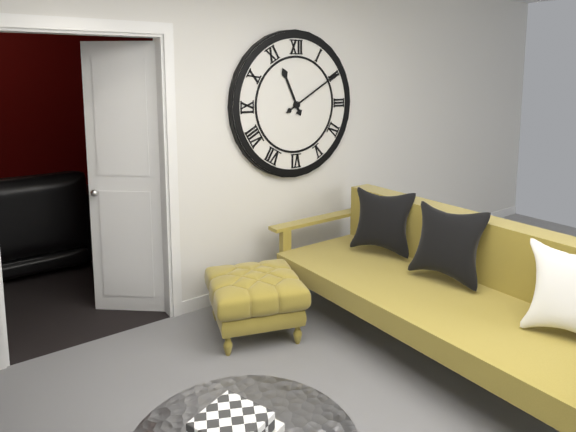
11:10
